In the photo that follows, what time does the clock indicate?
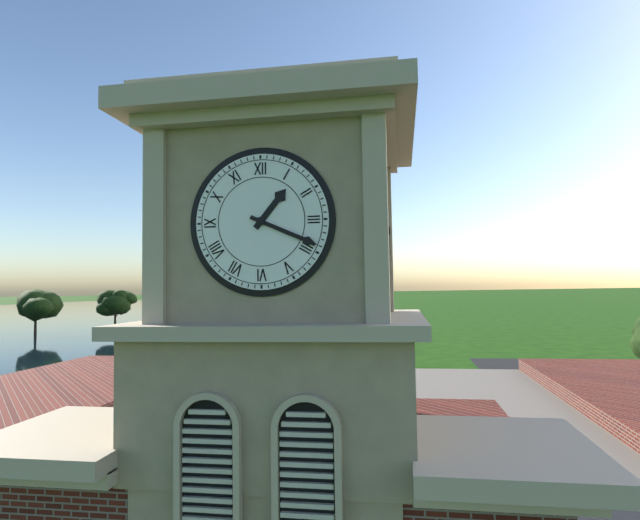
1:19
